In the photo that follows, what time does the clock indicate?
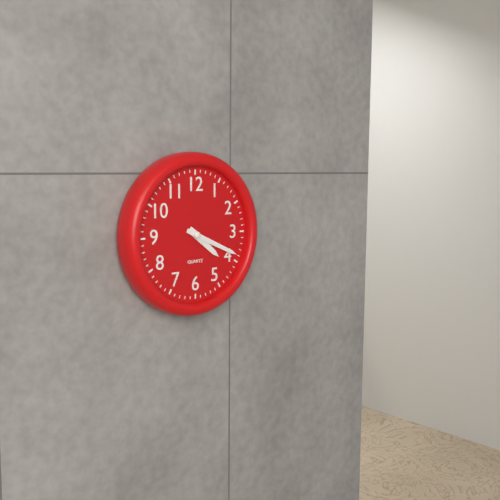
4:19
